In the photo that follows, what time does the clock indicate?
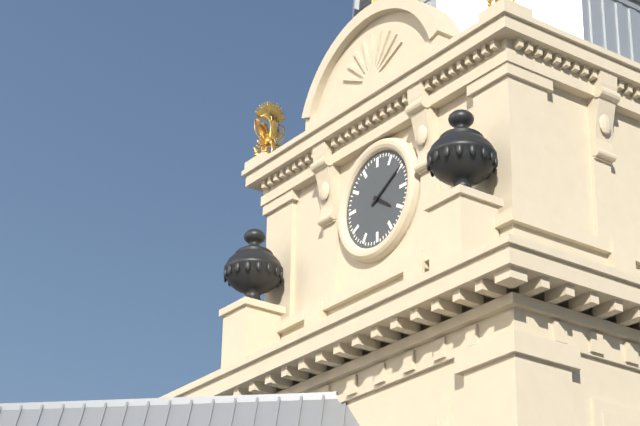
4:10
